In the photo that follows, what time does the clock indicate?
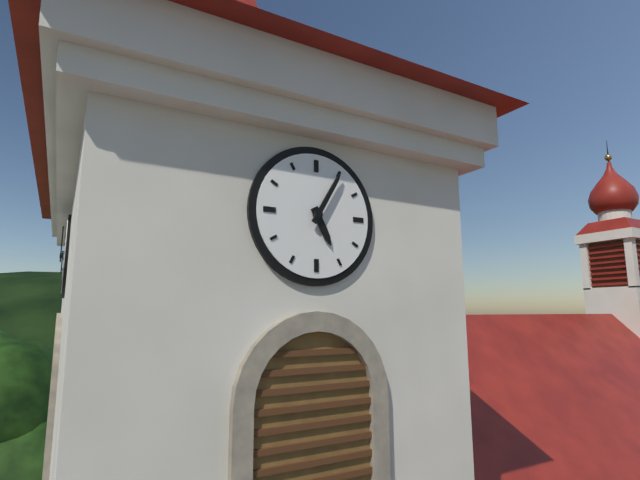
5:05
